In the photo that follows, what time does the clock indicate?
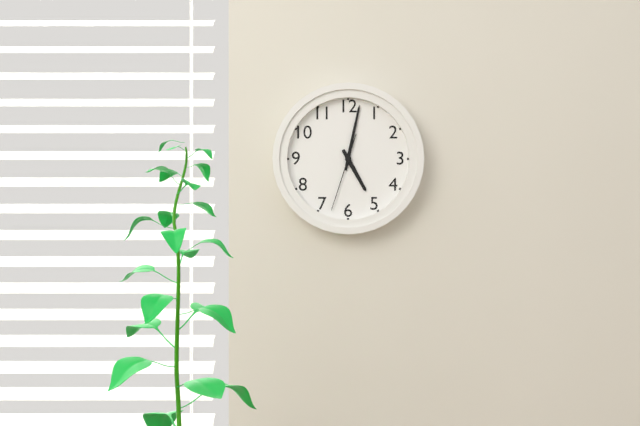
5:02:33
